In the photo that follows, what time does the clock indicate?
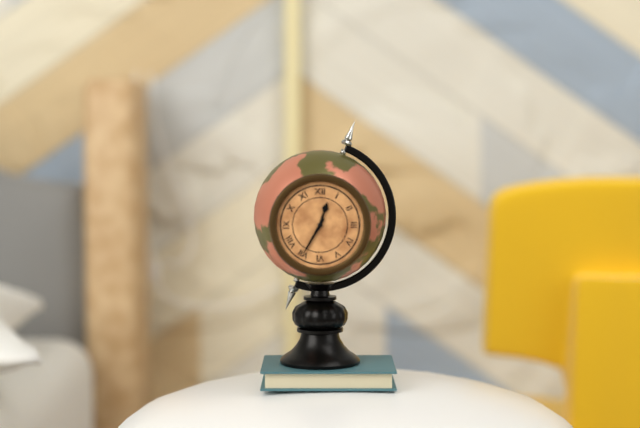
12:35
